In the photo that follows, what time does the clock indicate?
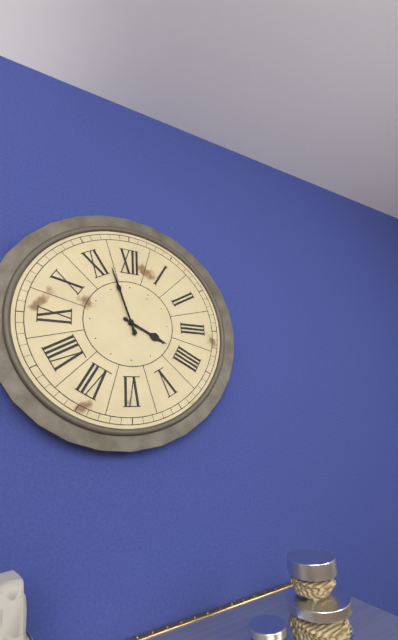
3:57
